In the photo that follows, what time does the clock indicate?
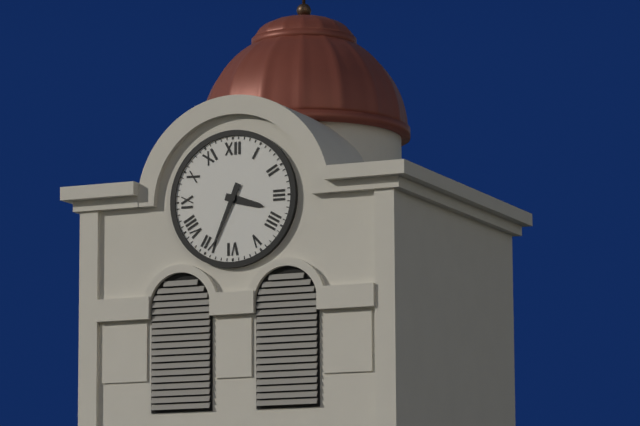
3:34
